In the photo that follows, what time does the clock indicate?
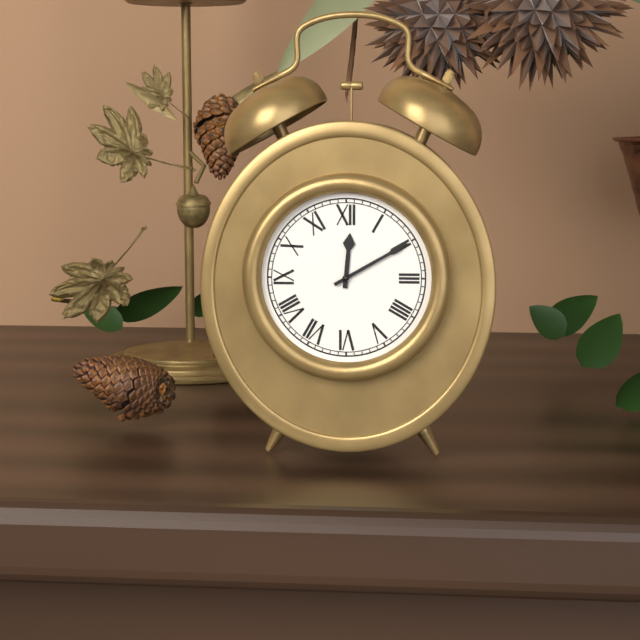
12:10
